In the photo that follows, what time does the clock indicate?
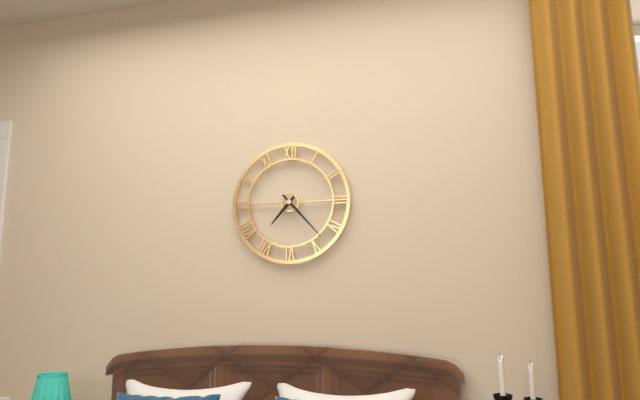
7:23
